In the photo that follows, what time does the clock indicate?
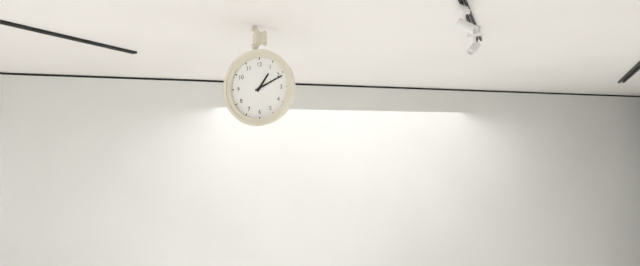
1:11
